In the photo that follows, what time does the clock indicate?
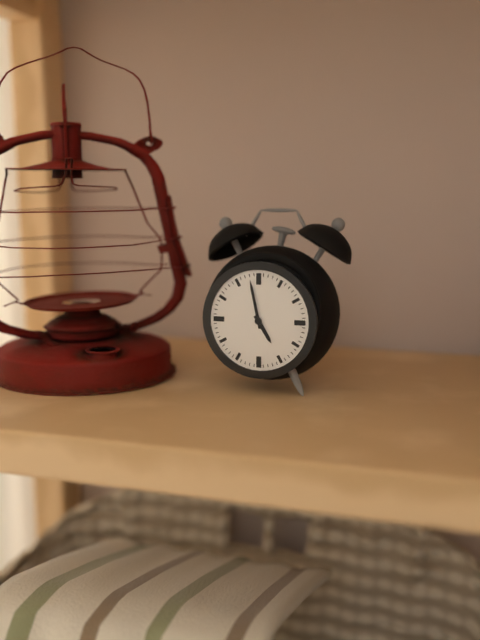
4:58
